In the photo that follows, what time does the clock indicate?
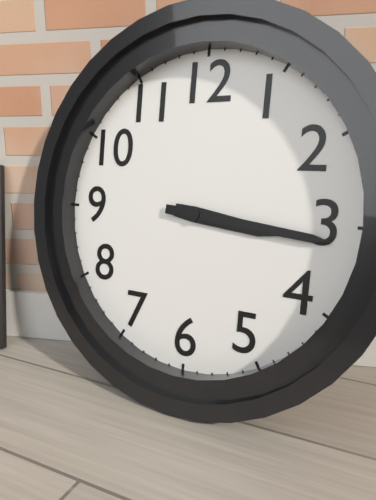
3:16
